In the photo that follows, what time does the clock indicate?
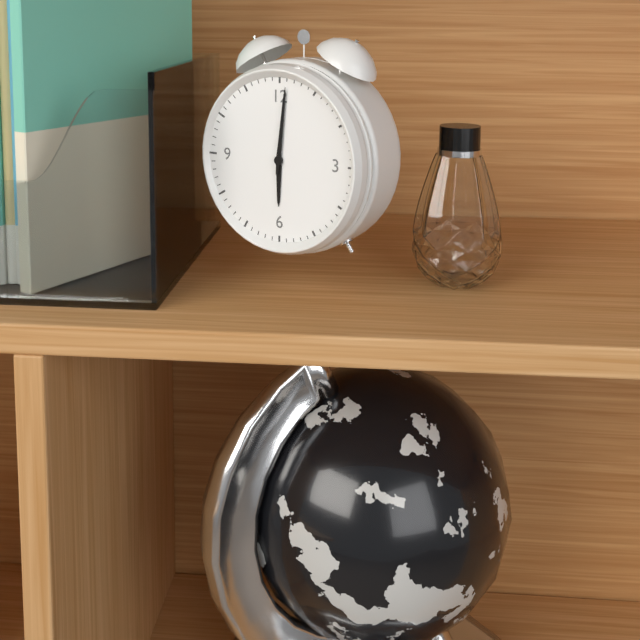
6:01
